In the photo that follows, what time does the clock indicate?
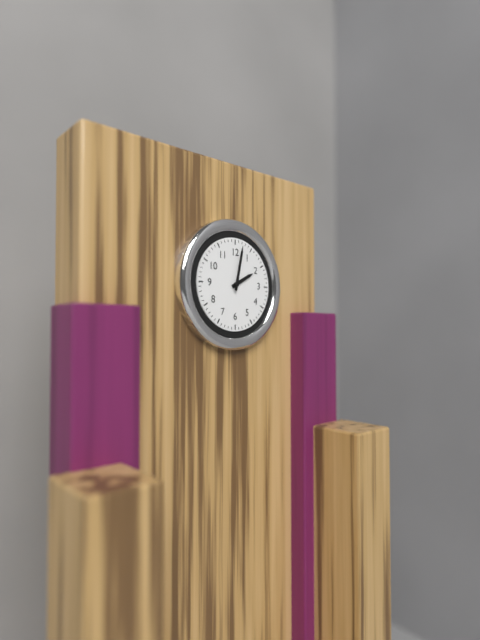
2:02
